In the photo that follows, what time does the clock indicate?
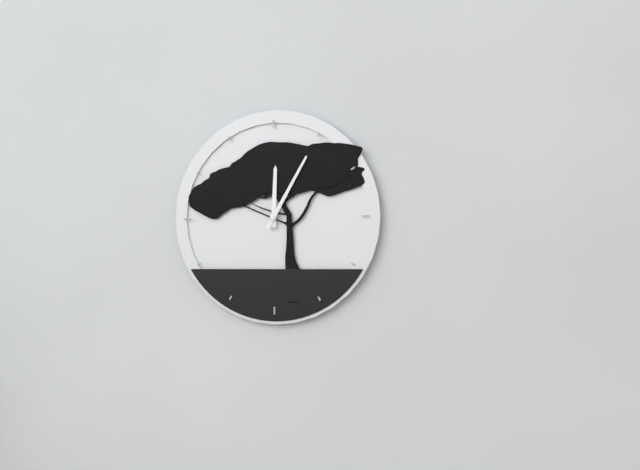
12:05
